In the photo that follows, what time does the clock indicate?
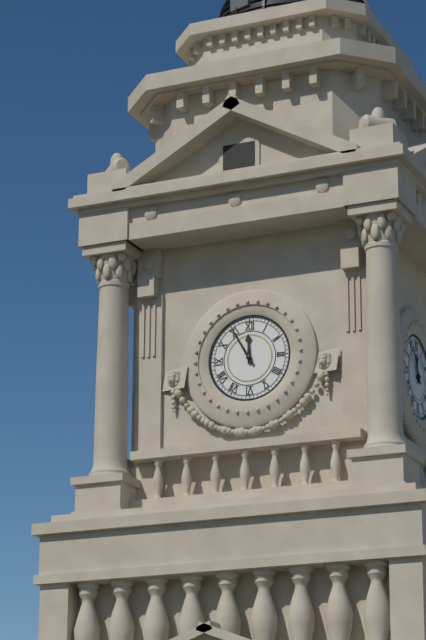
11:55
